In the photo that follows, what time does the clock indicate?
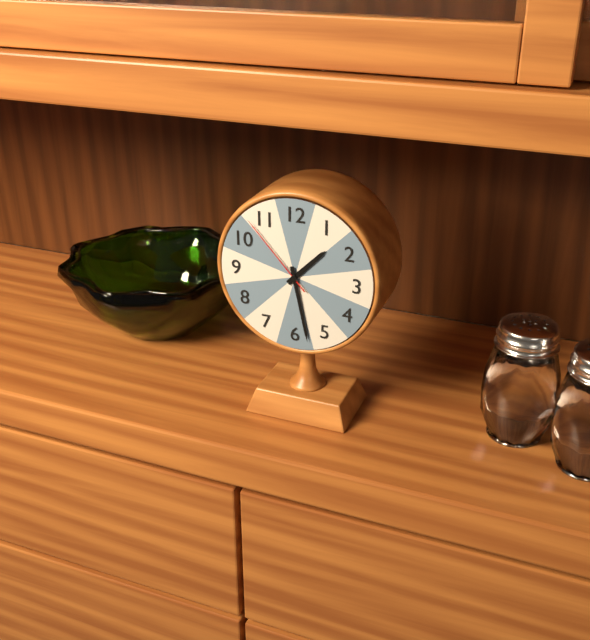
1:28:53
